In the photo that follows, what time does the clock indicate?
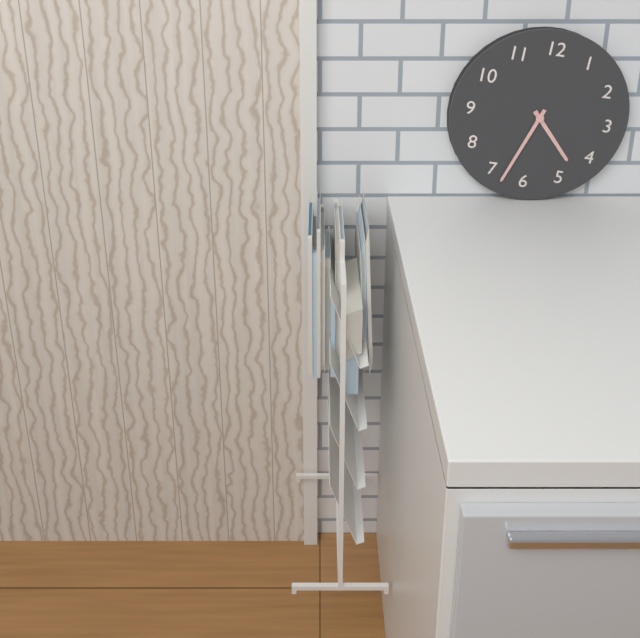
4:33
